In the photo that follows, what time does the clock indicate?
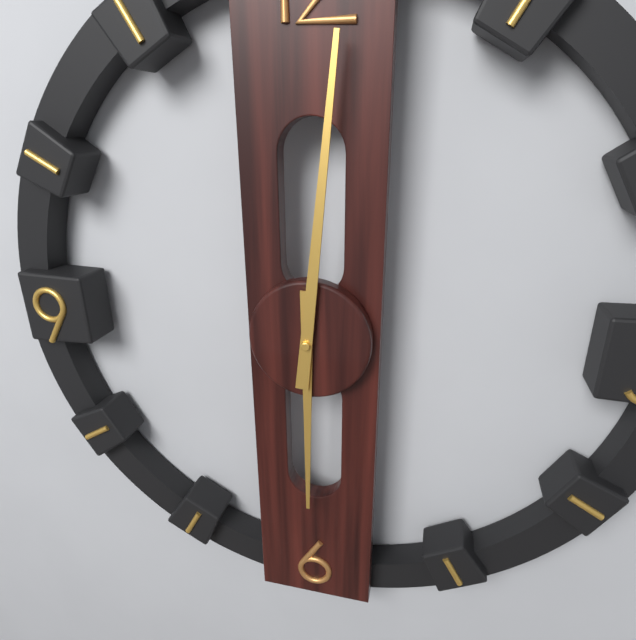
6:01
